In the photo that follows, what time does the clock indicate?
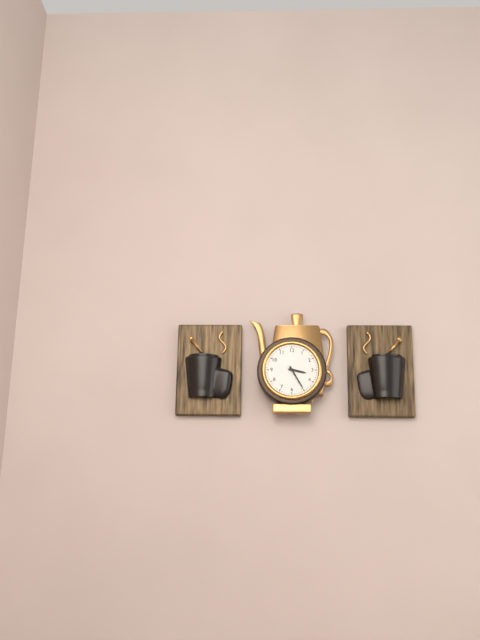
3:25
